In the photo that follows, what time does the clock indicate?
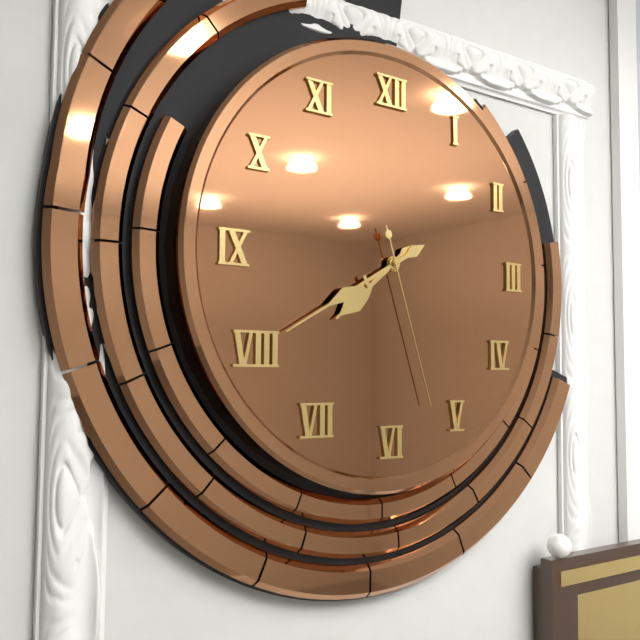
7:40:27
